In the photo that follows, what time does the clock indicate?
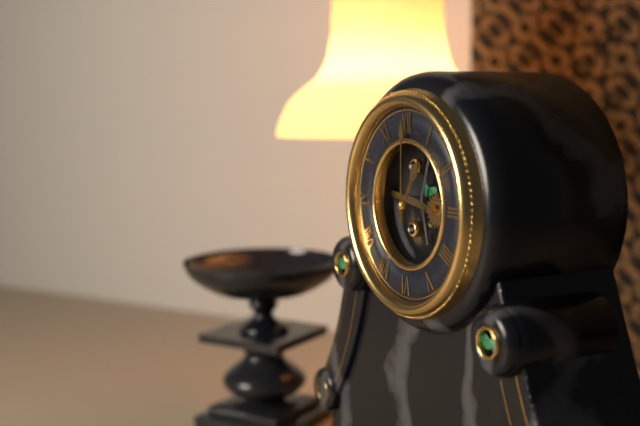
1:00
